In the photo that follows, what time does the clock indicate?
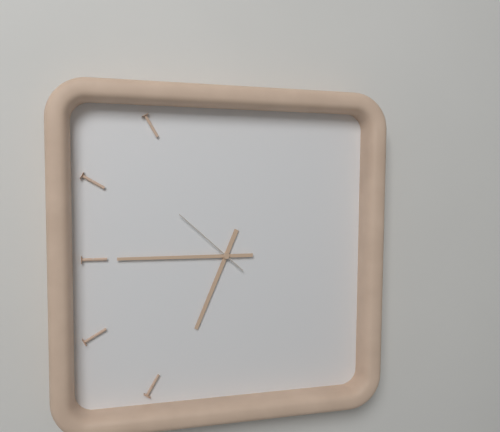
6:45:52
